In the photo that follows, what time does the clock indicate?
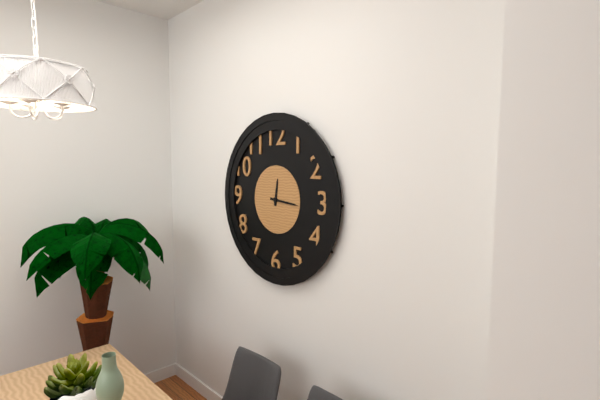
12:16
